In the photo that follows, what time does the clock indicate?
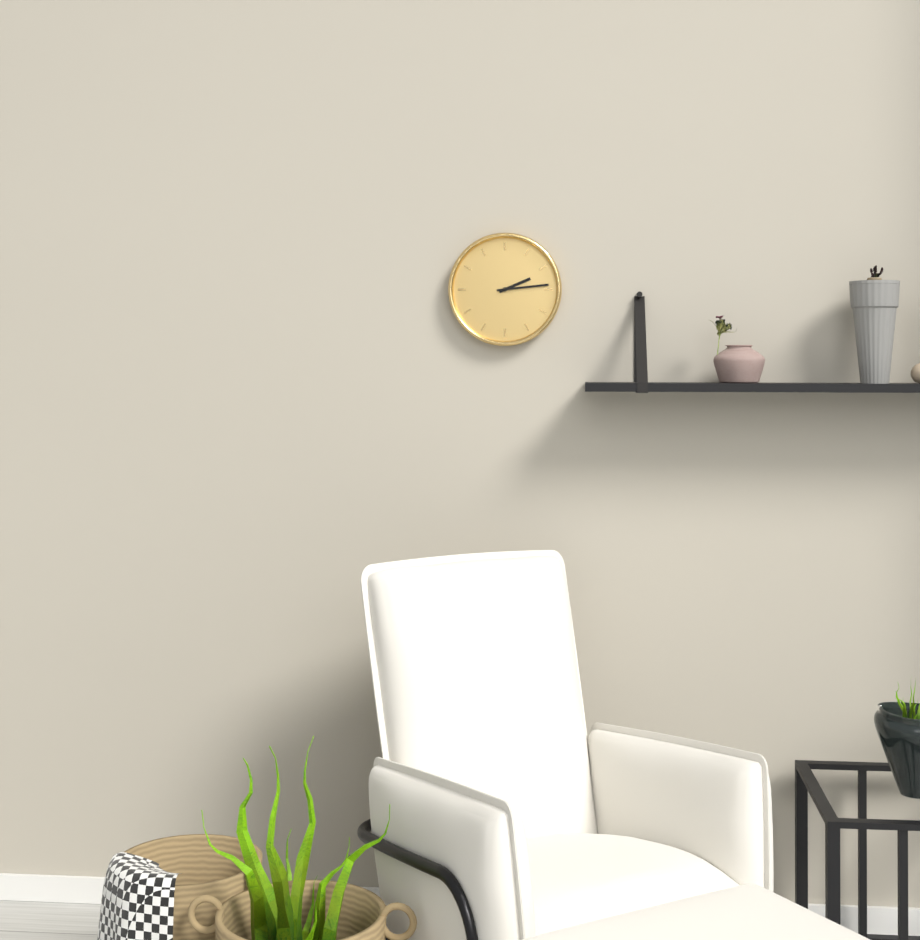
2:14
